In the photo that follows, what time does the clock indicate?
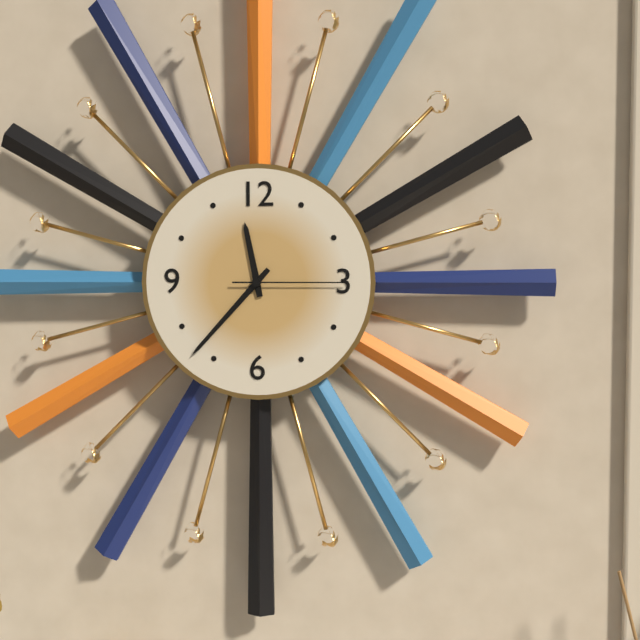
11:37:15
